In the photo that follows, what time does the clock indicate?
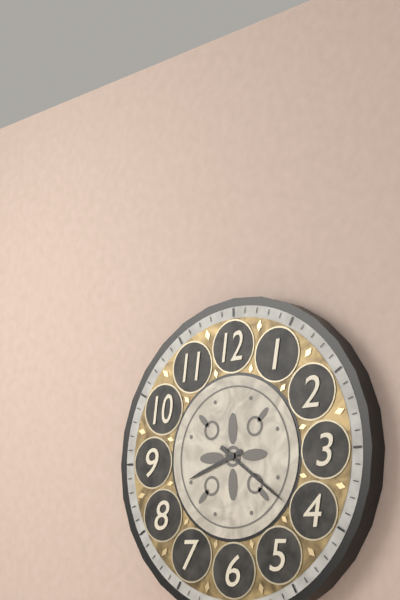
8:21
